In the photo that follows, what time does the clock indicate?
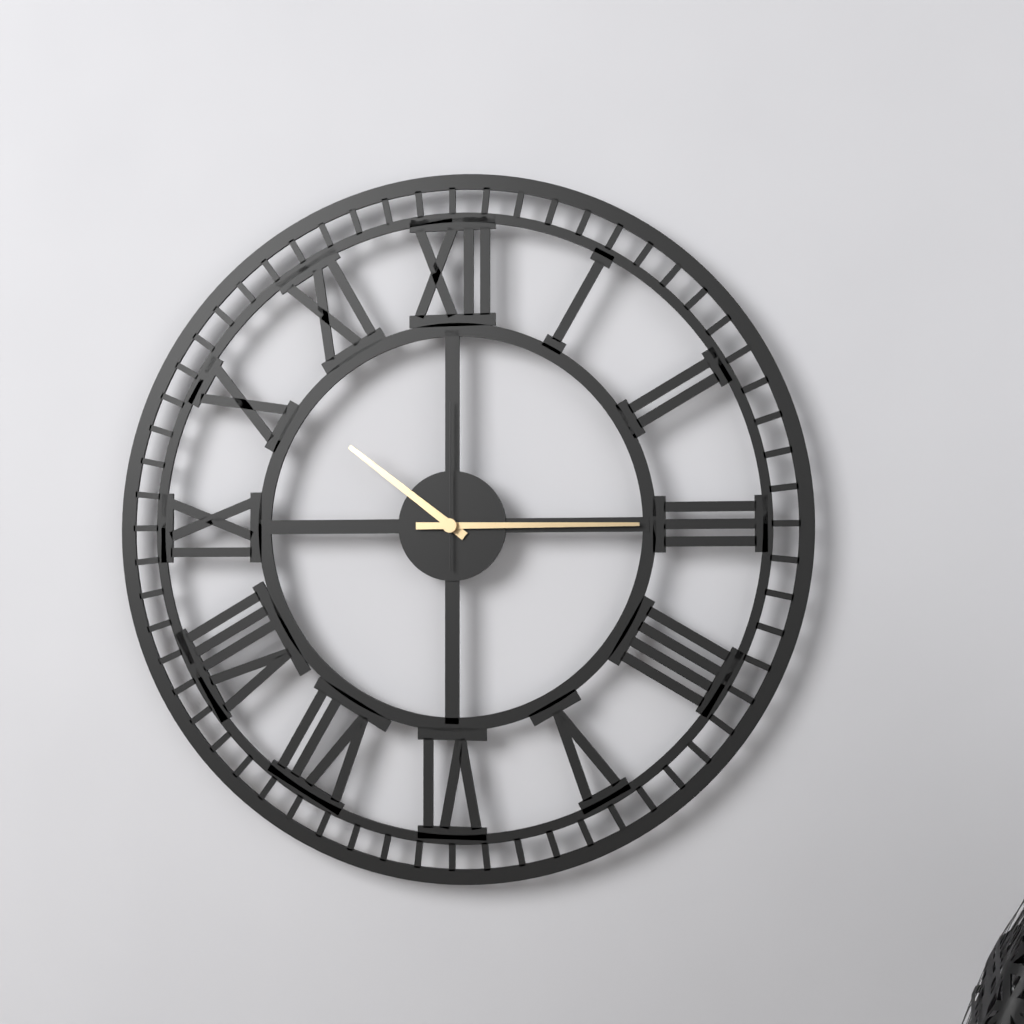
10:15:00
